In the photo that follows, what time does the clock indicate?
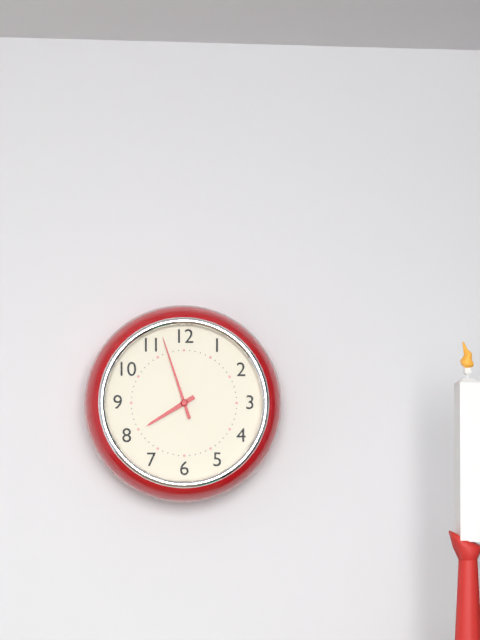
7:57
